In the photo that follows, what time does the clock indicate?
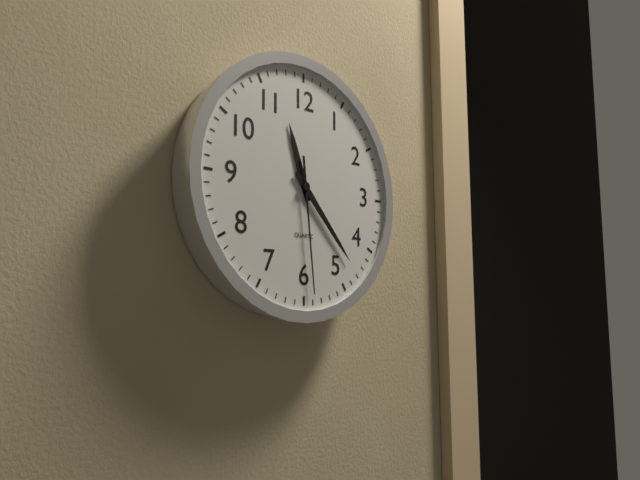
11:23:29
